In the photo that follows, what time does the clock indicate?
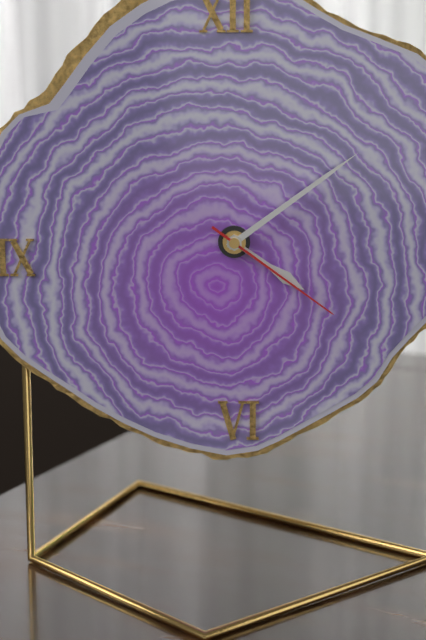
4:09:21
